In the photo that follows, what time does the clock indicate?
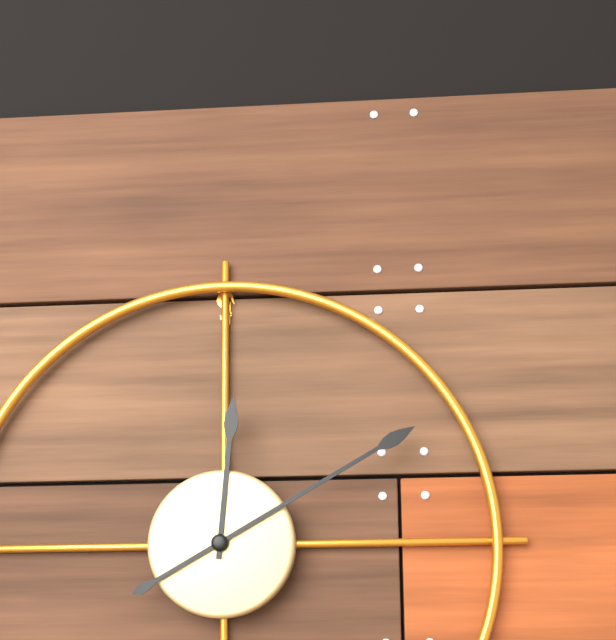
12:10
